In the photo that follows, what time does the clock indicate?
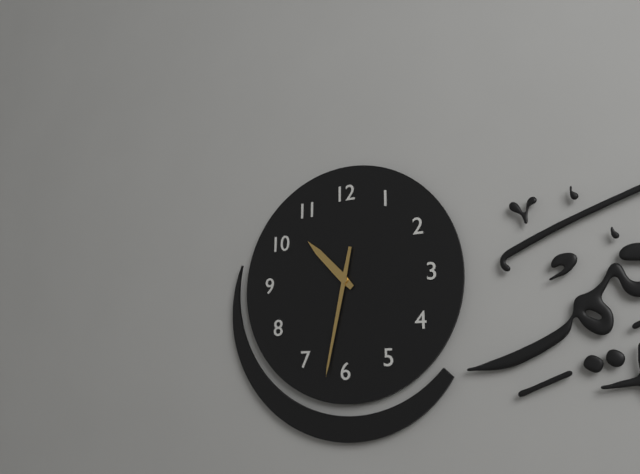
10:32
